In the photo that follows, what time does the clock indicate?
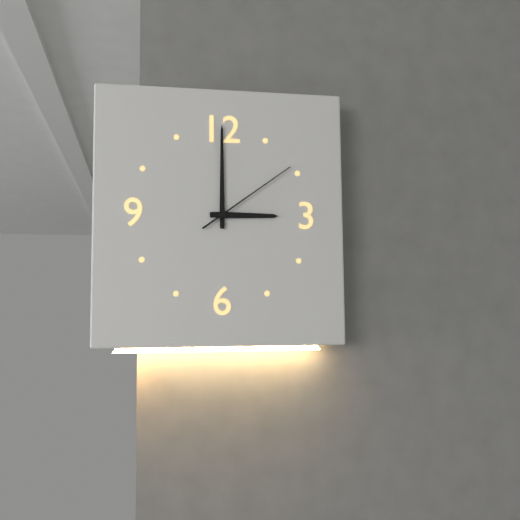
3:00:09
